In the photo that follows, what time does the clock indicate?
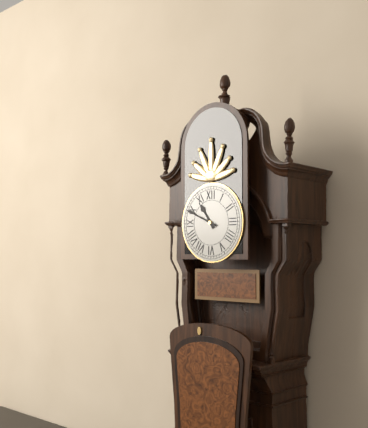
10:49
